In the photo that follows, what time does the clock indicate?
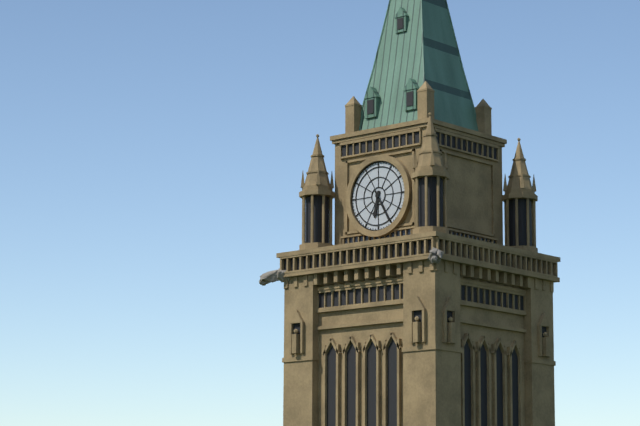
6:25
